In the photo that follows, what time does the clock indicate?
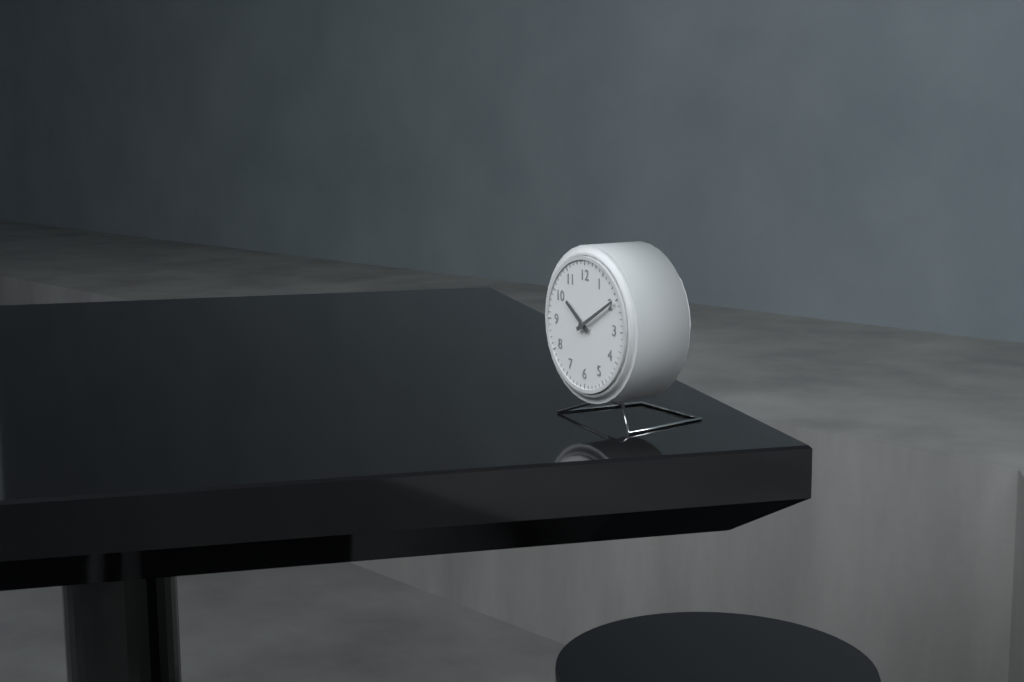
10:10
